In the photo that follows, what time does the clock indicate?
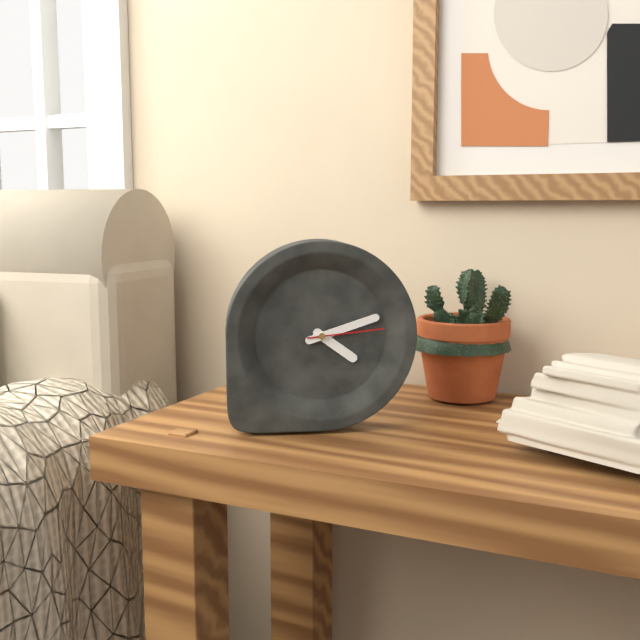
4:12:14
